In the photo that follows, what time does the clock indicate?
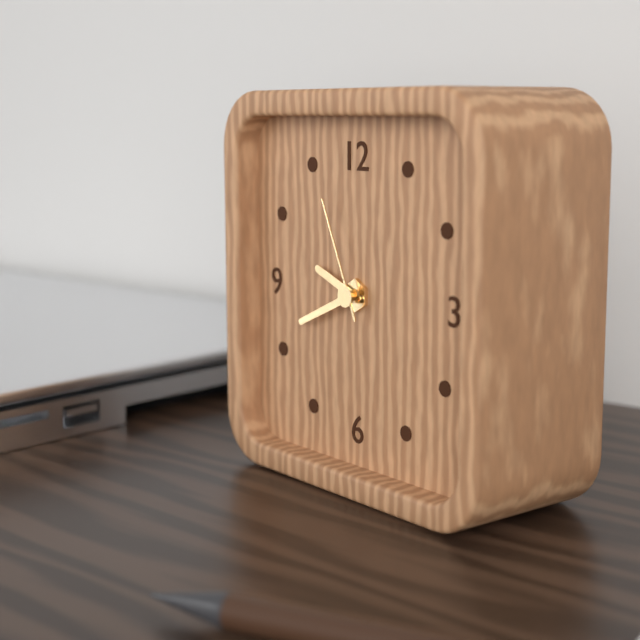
9:41:56
